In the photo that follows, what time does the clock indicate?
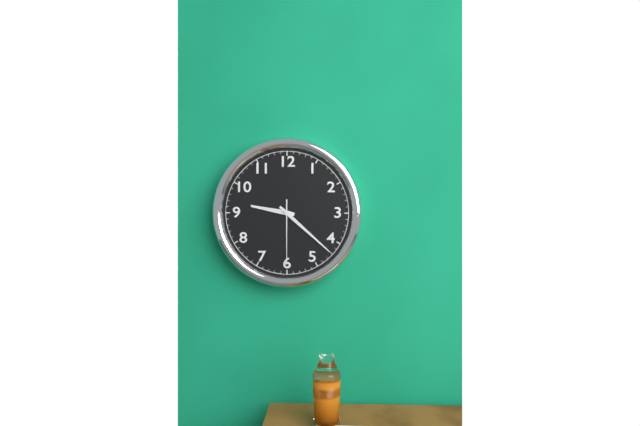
9:22:30
